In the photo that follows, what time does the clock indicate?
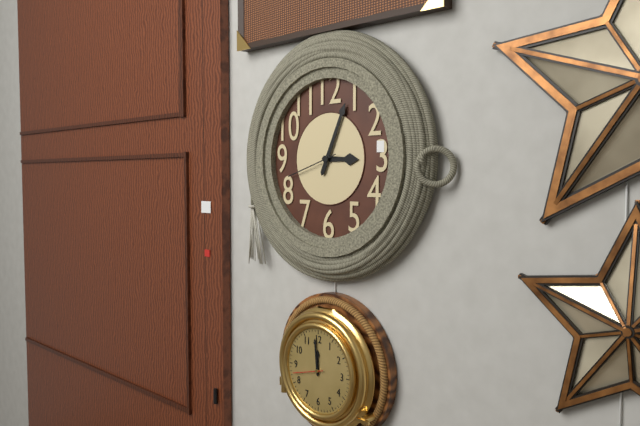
3:04:42
